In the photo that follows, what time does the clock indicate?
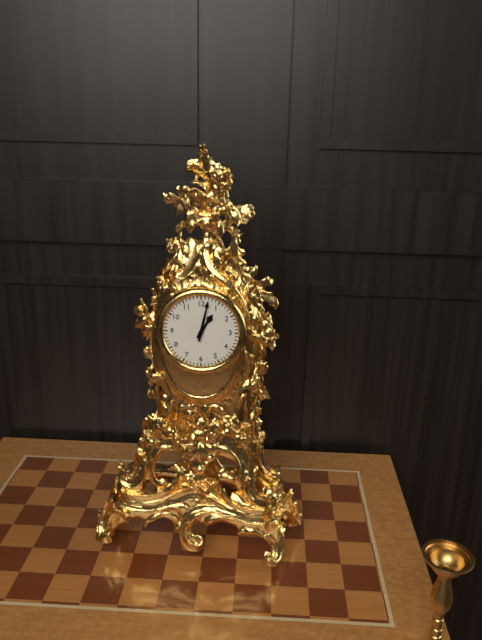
1:02
